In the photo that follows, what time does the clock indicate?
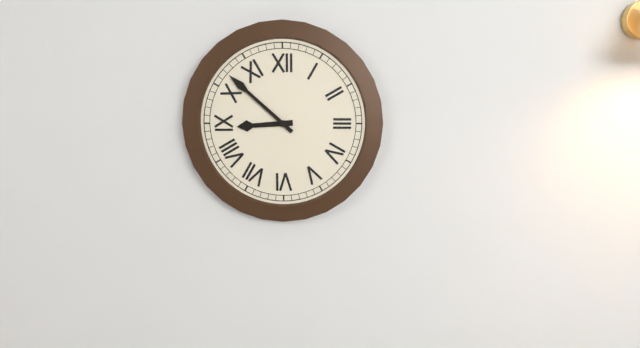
8:52
